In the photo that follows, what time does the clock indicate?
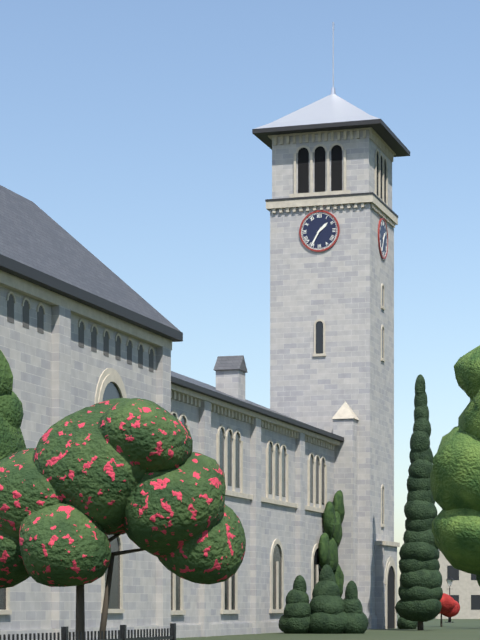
1:35
